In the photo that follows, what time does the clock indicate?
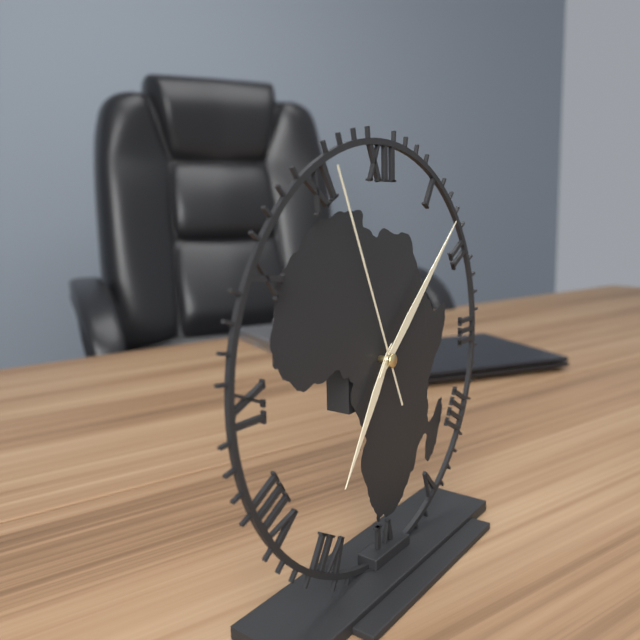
7:08:56
